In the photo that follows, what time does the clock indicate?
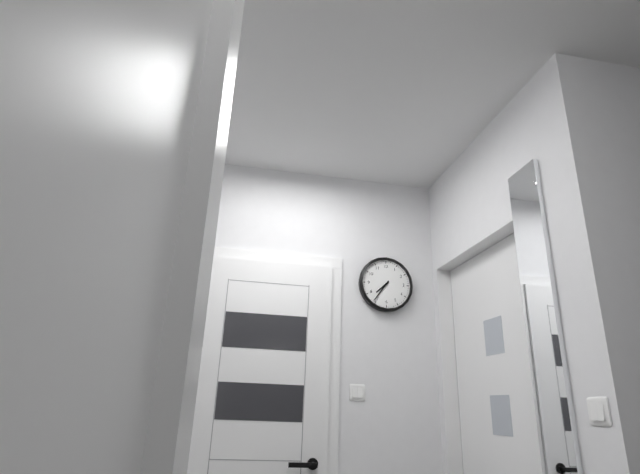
7:36
